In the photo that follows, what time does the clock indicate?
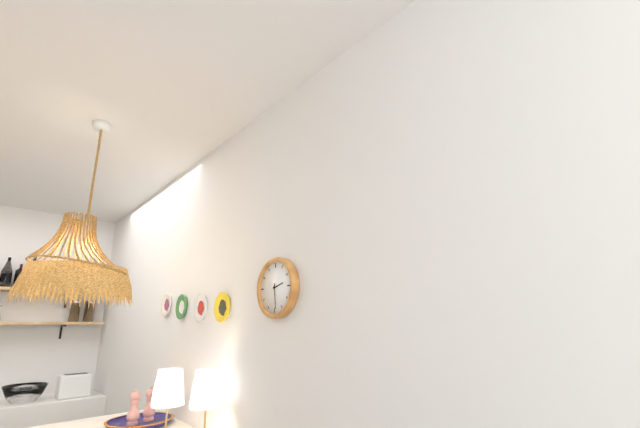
2:29
